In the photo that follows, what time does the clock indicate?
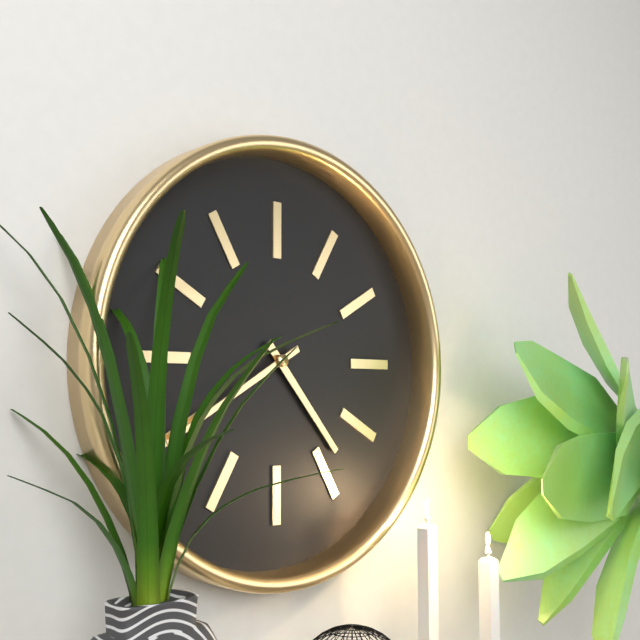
4:40
